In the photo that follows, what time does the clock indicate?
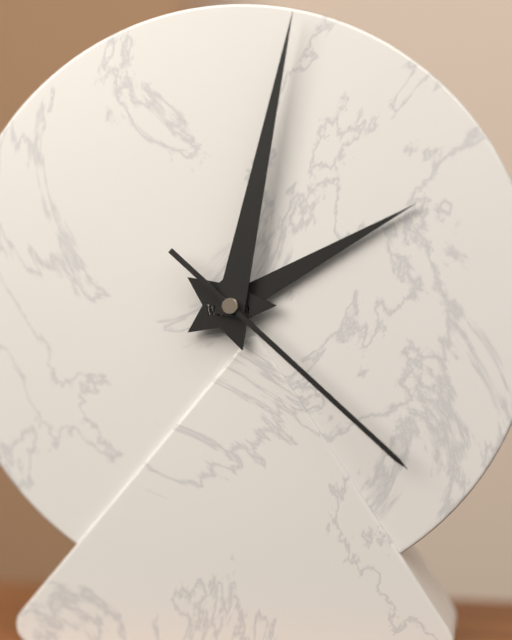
2:02:22
